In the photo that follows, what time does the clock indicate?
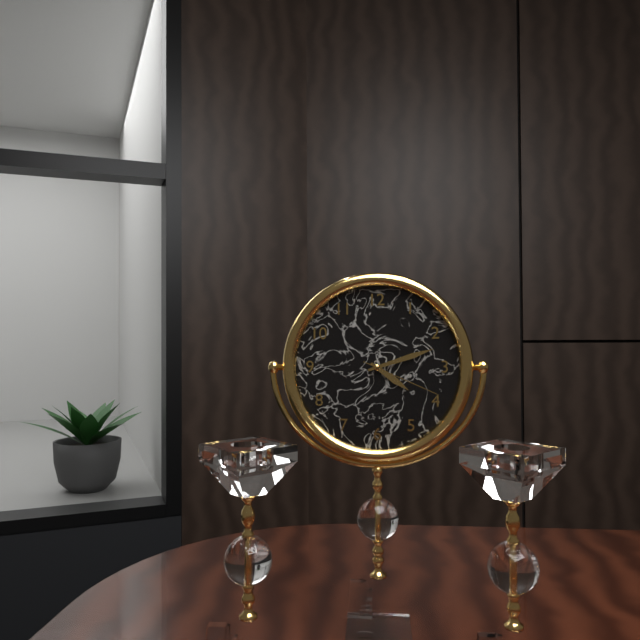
4:12:19
